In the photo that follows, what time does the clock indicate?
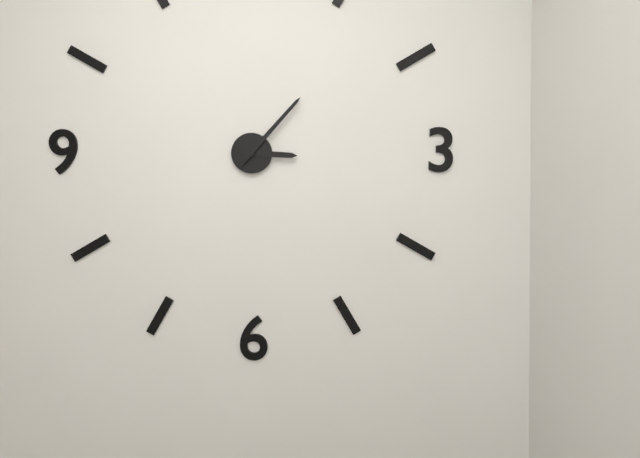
3:07
